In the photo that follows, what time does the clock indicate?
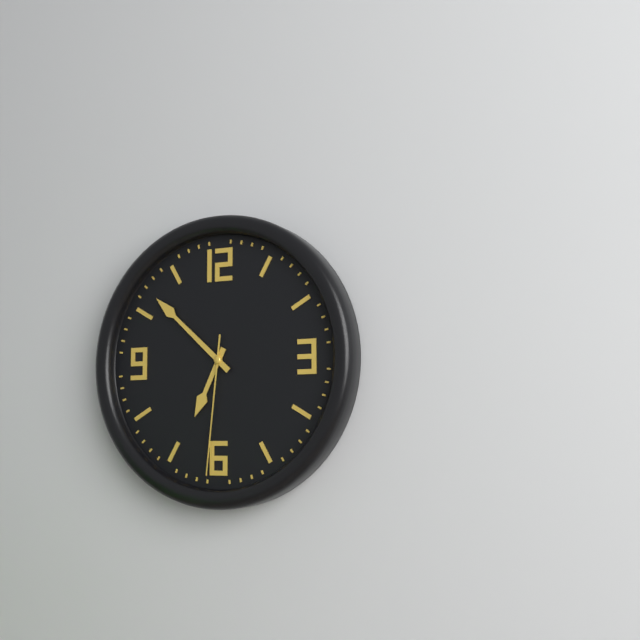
6:52:31
